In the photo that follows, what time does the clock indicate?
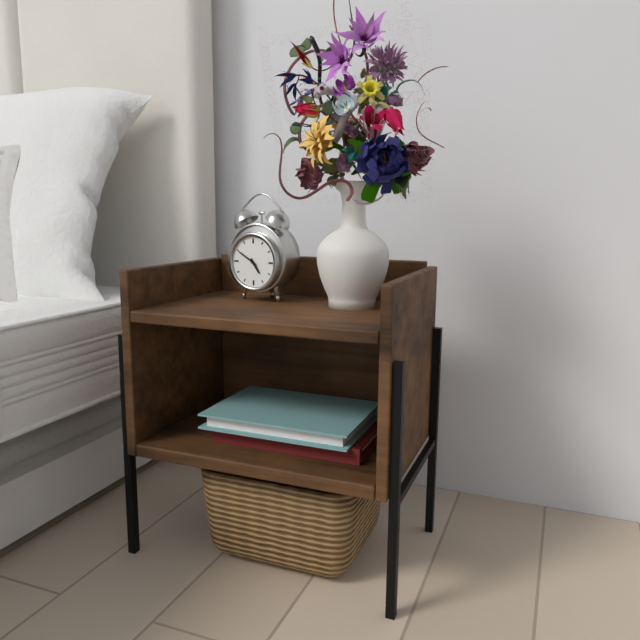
4:50
